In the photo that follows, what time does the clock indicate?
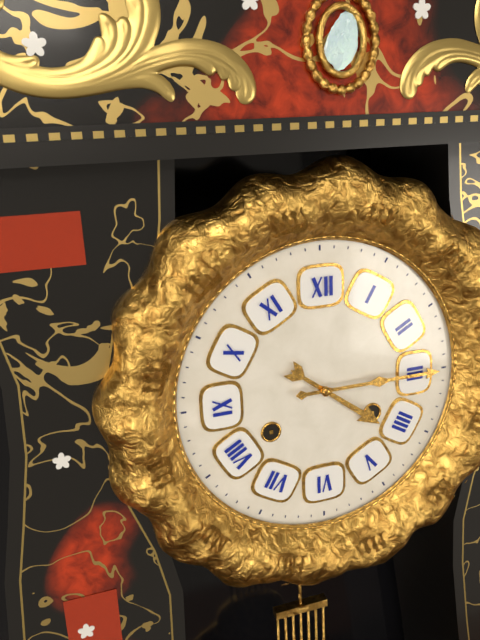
4:15
